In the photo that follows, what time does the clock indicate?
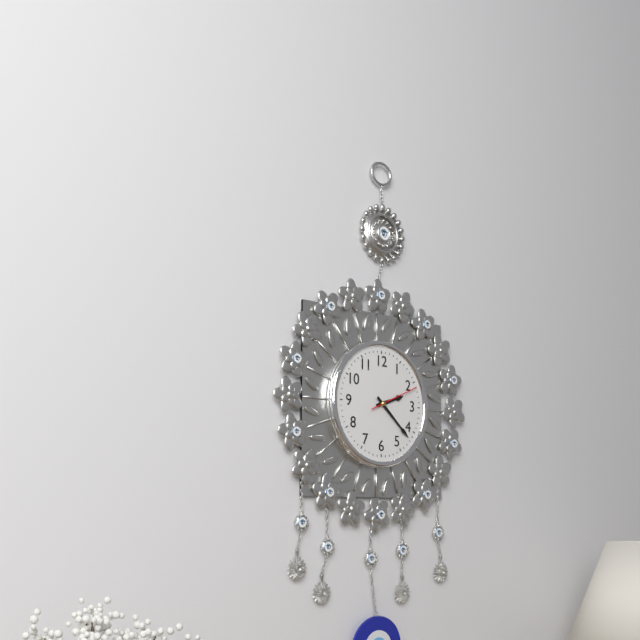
2:22:11
